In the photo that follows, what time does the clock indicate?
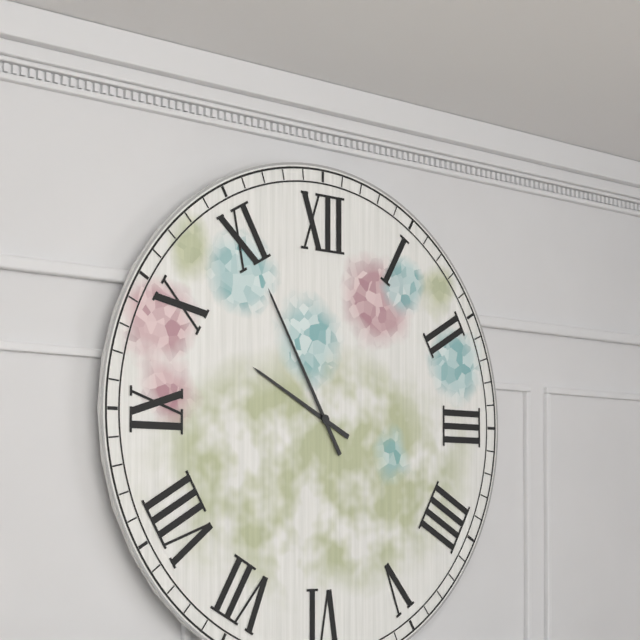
9:55
